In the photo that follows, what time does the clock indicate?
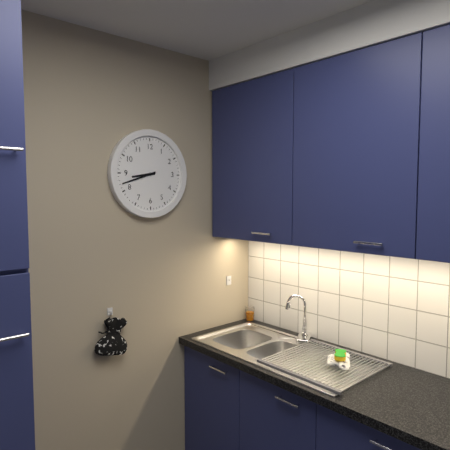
8:42
